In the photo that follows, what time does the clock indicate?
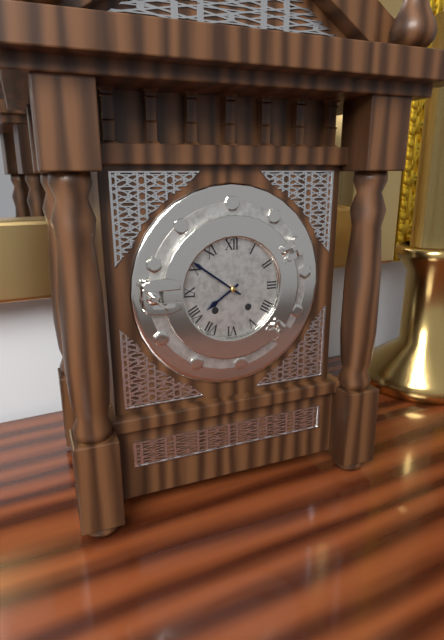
7:51
